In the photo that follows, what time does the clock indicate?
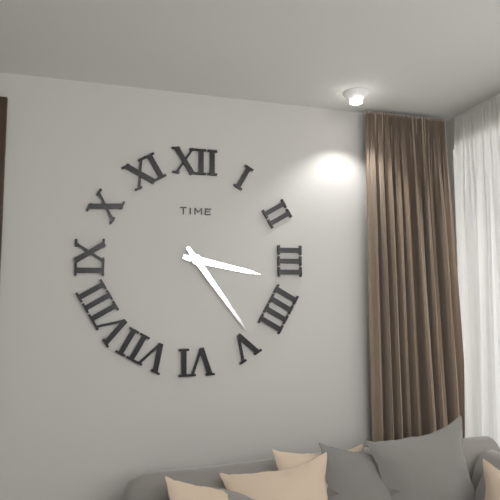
3:24
